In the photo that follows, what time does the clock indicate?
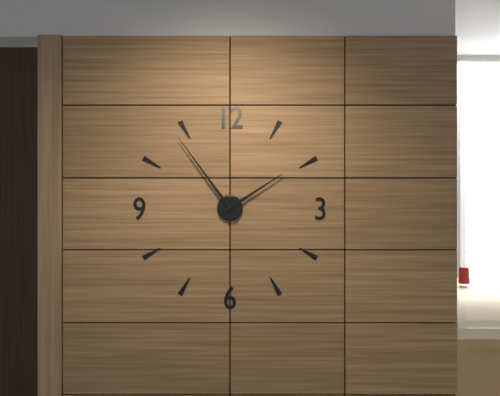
1:54
